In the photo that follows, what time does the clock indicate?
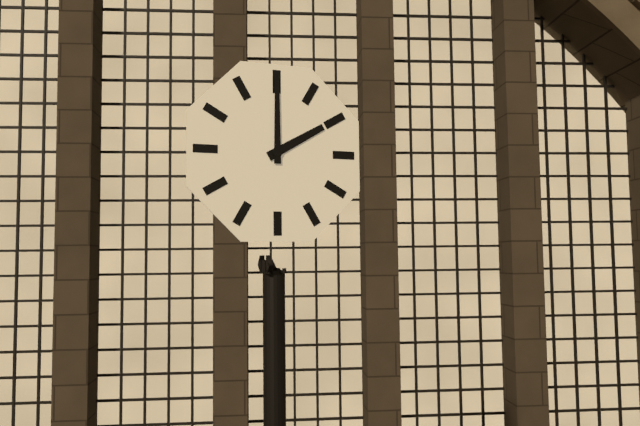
2:00
